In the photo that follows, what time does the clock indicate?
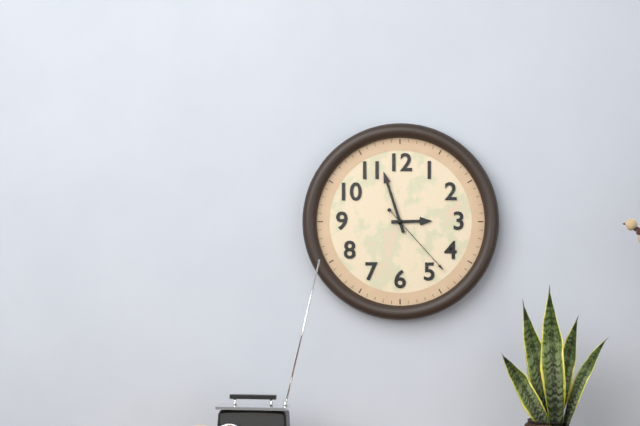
2:57:23
